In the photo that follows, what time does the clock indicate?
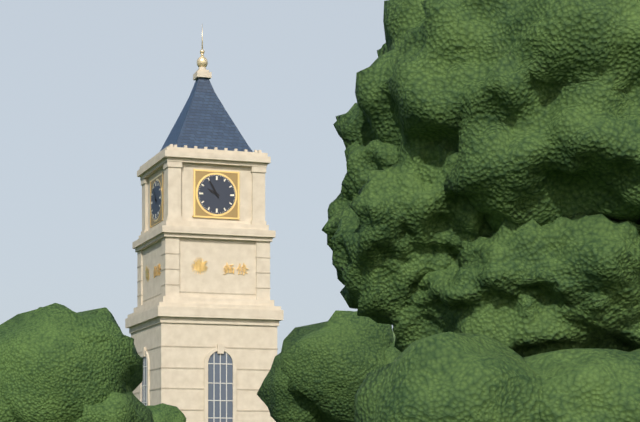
9:55
